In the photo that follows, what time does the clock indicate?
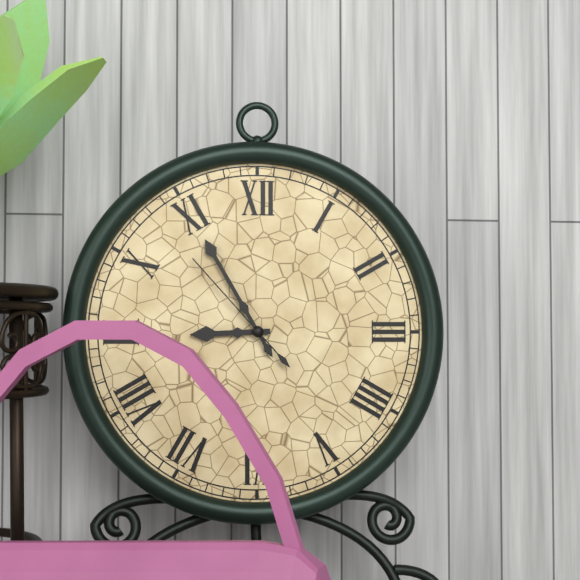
8:55:53
